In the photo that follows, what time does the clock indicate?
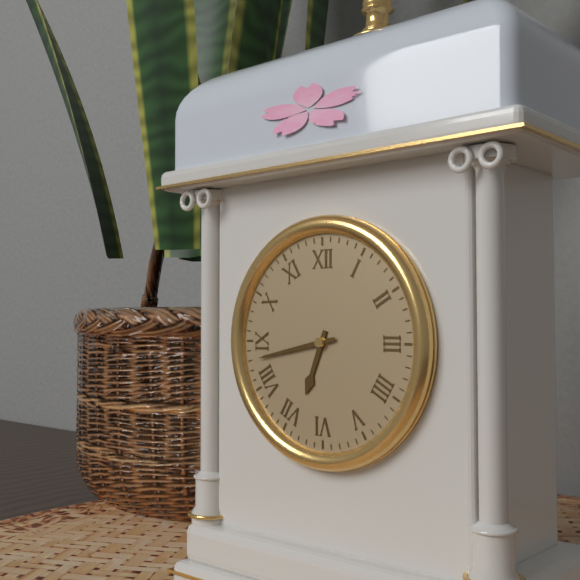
6:43
